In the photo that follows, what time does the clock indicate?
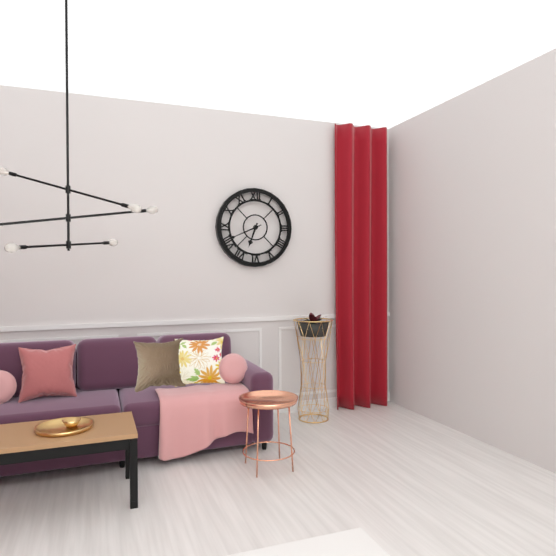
6:41
